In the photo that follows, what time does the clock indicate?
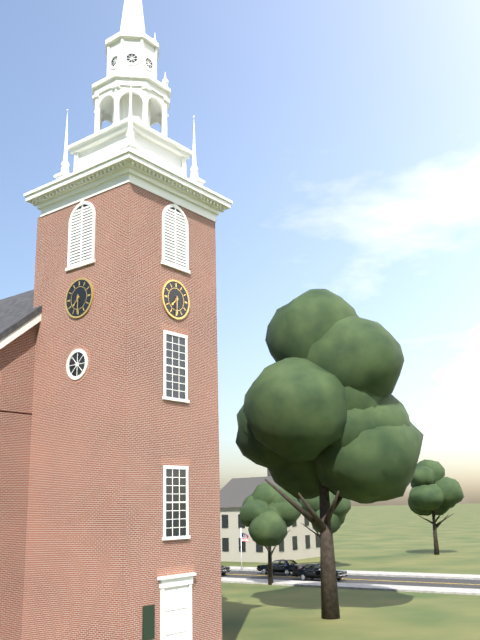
7:30
